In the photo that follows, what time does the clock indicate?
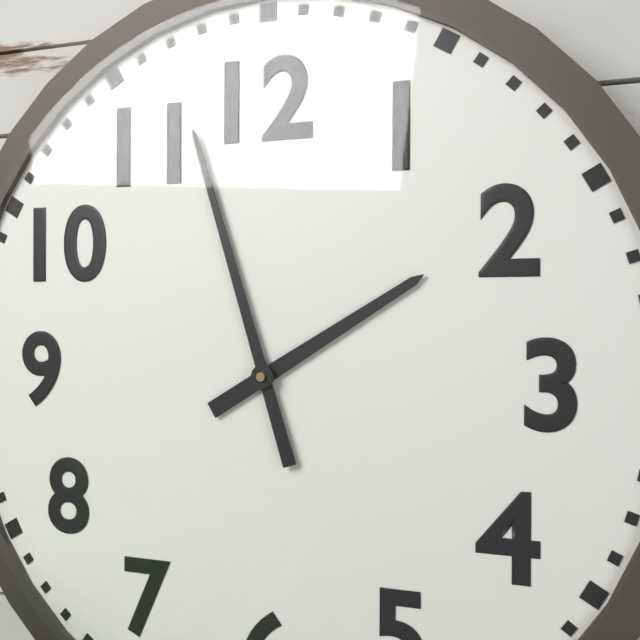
1:57
